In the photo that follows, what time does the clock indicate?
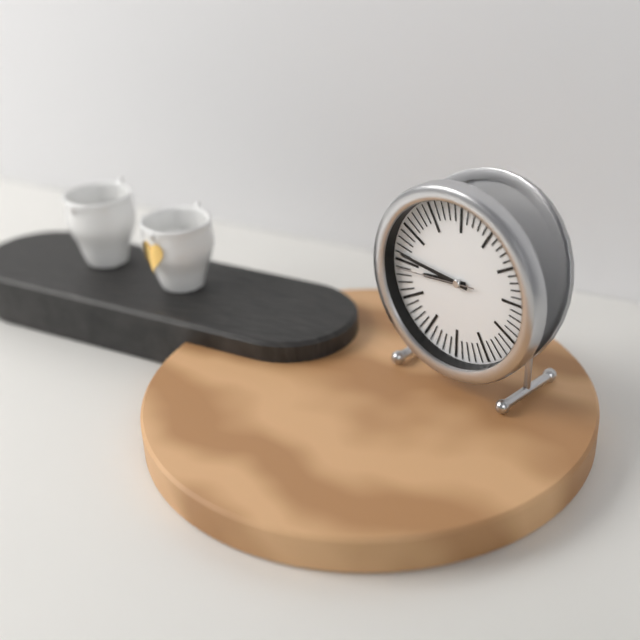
8:46:44
